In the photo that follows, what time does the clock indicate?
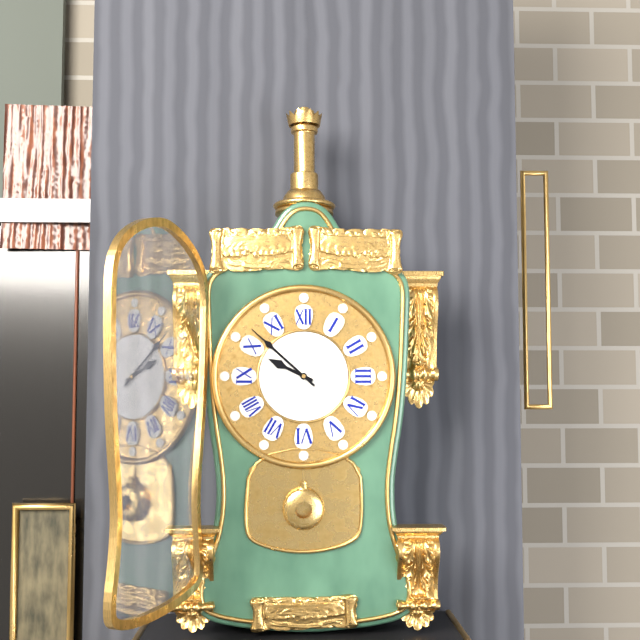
9:52
